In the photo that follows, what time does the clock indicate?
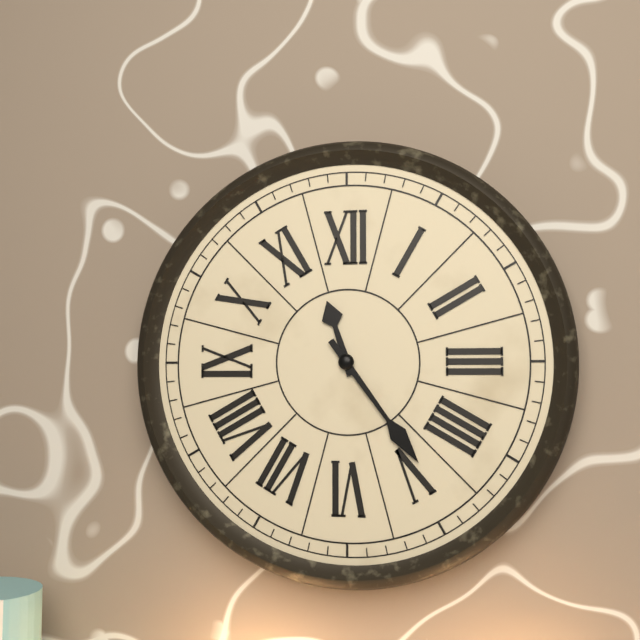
11:24
